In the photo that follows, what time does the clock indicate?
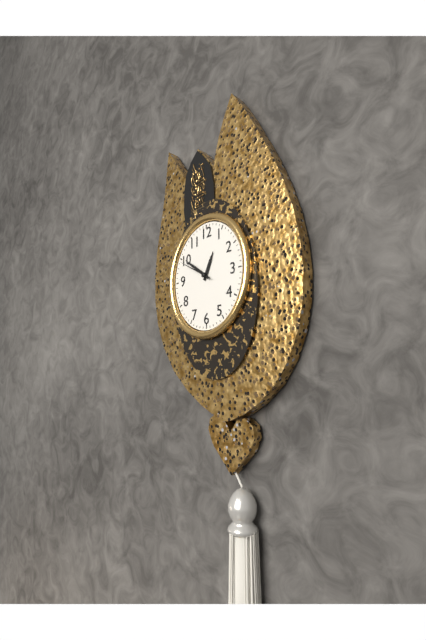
12:51
